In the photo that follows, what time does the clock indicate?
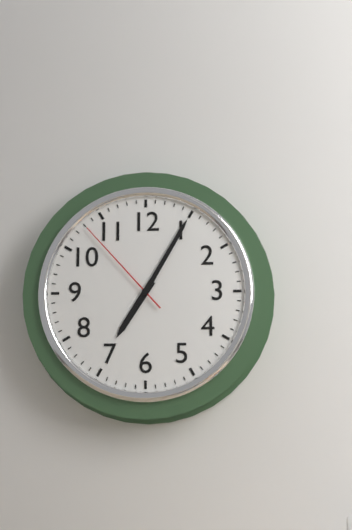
7:05:53
